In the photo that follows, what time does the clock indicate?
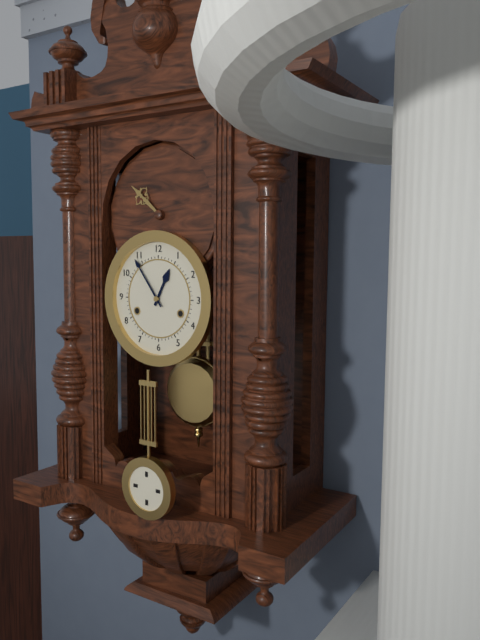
12:54
